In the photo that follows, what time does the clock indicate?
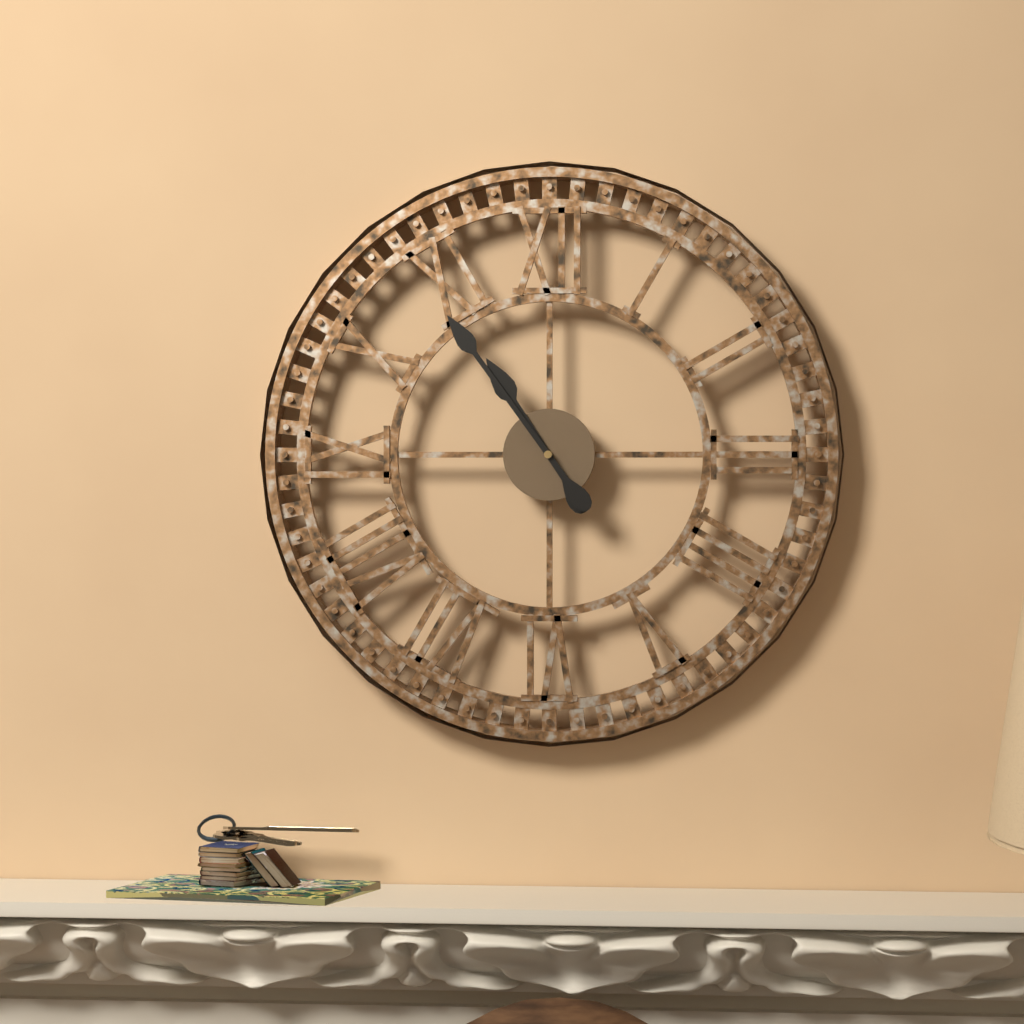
10:54
